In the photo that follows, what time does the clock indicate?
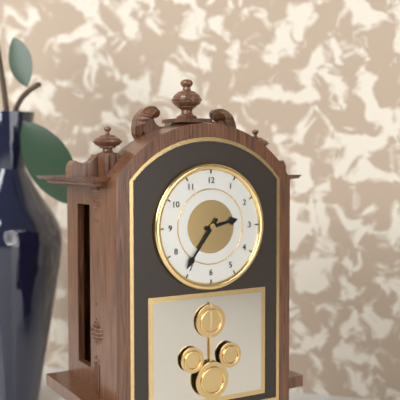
2:36
